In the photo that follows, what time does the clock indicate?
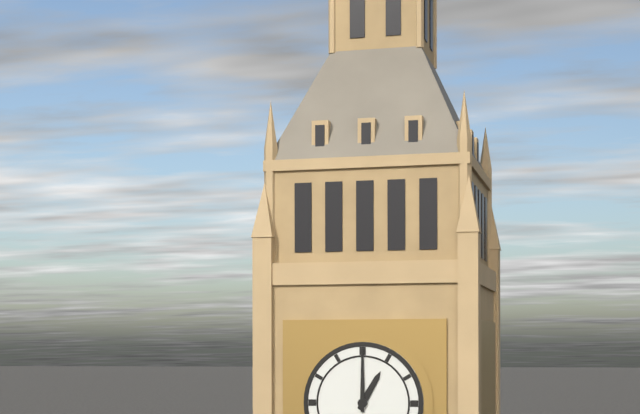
1:00
